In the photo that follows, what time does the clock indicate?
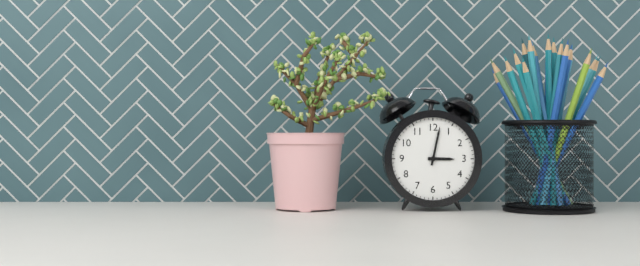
3:02
